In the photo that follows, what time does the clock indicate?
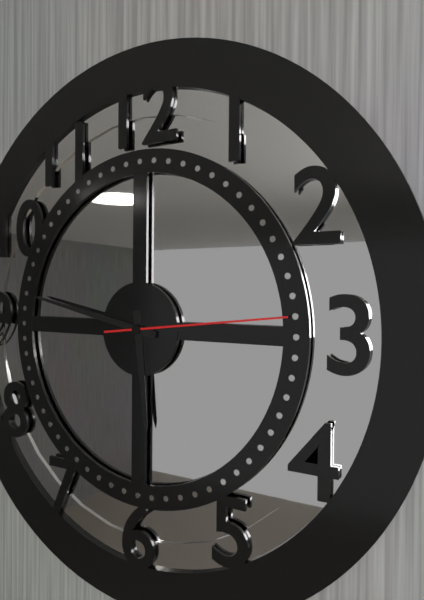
5:47:14
